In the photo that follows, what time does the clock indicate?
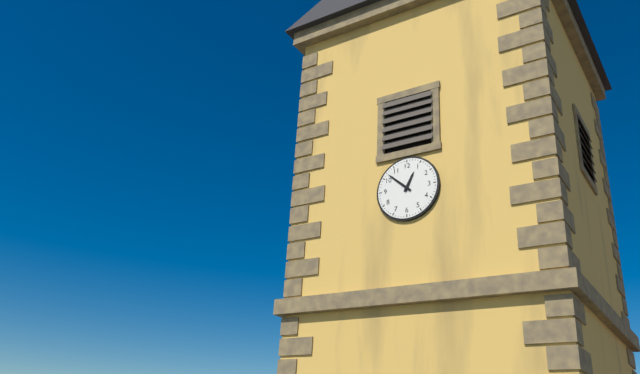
12:52
